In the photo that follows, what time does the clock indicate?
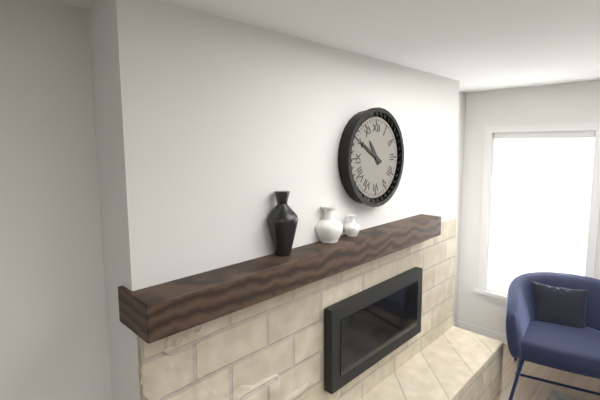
10:50
